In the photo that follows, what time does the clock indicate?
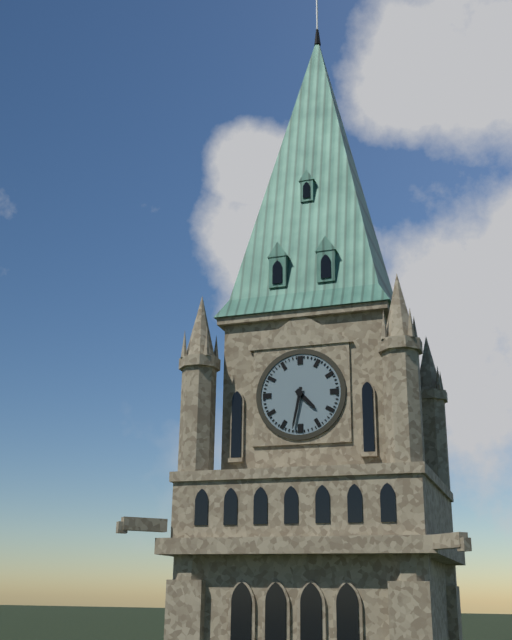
4:32
